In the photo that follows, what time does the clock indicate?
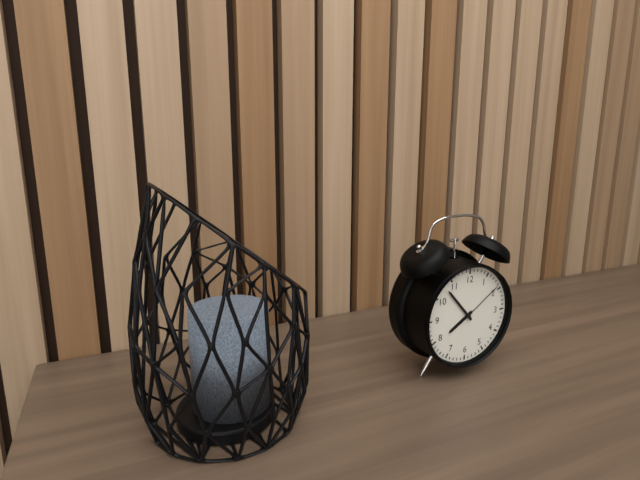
7:53:09
